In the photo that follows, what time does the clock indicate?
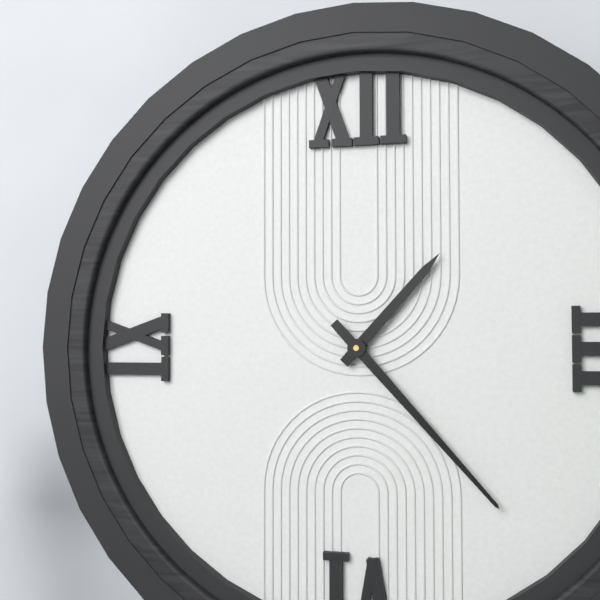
1:23
